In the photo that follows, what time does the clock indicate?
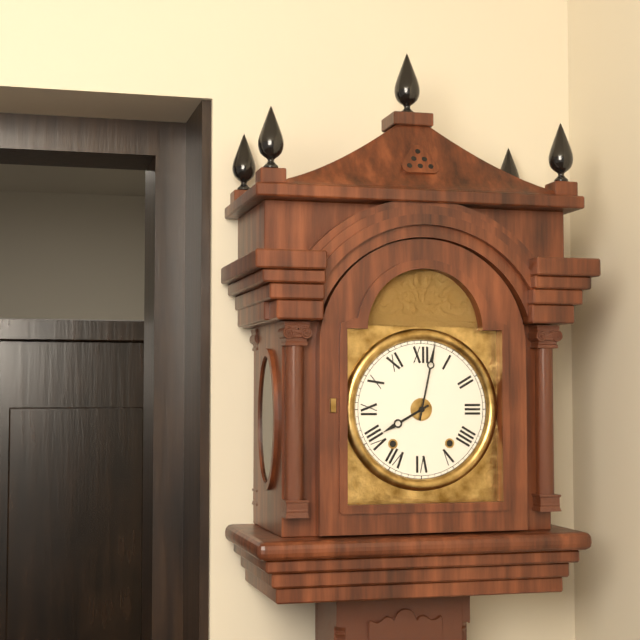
8:02
